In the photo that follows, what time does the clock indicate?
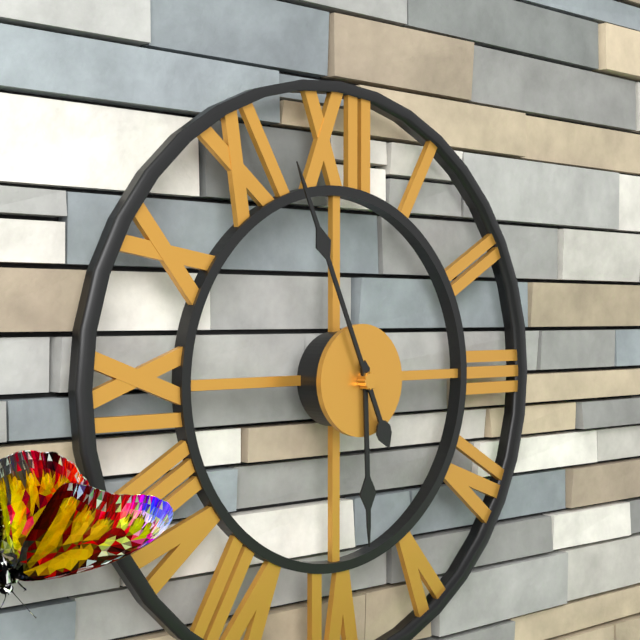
5:56
